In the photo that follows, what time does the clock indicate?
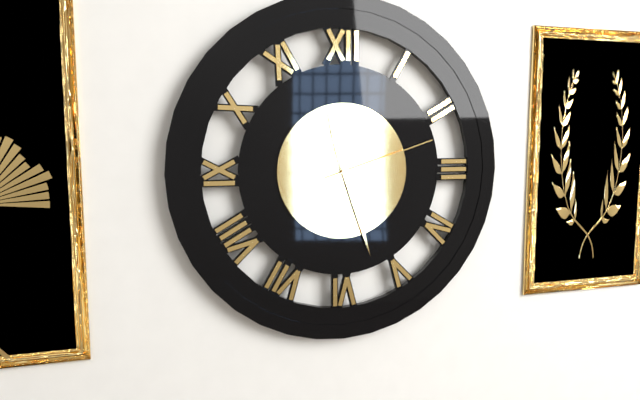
11:27:12
